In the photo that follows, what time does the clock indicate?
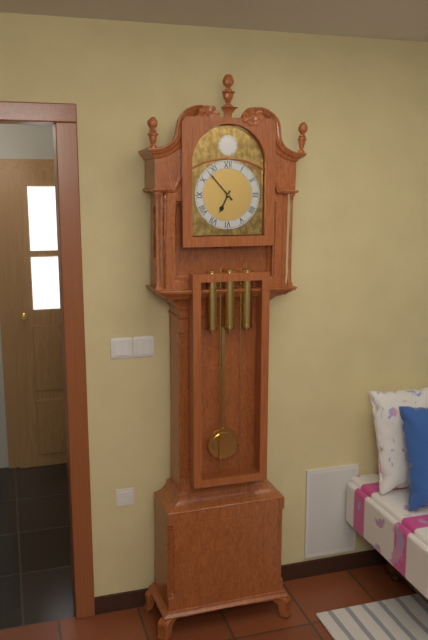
6:53
